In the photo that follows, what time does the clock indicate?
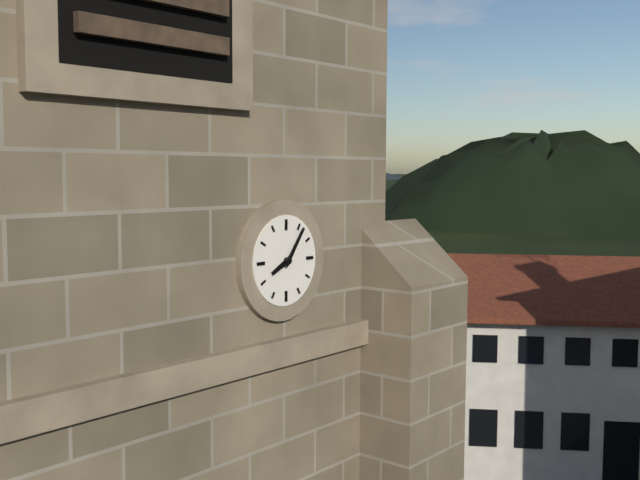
8:06
